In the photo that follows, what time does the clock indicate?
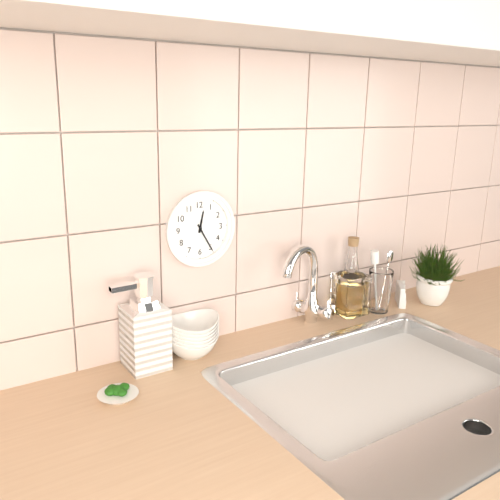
12:25
